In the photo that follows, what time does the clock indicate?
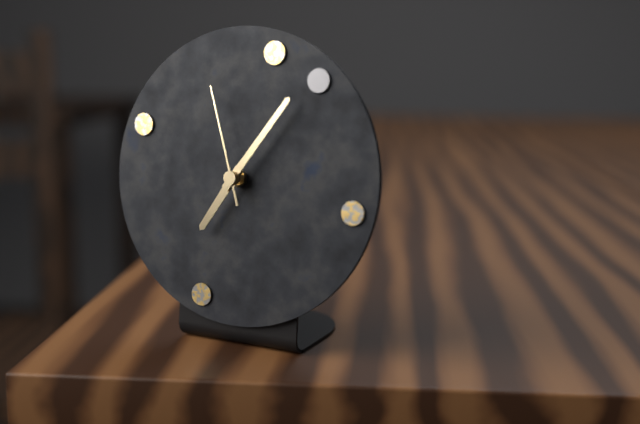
7:06:57
